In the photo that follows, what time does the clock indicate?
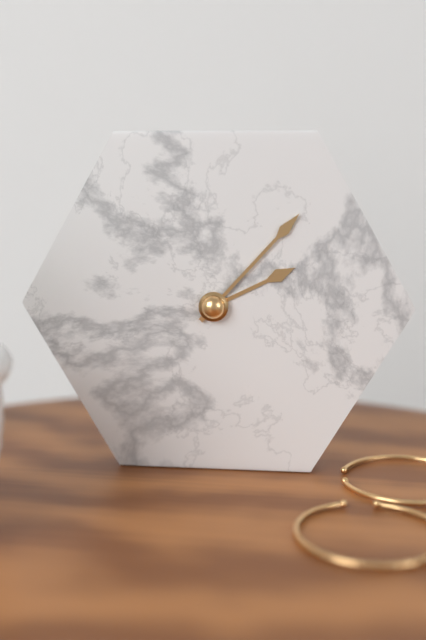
2:07
